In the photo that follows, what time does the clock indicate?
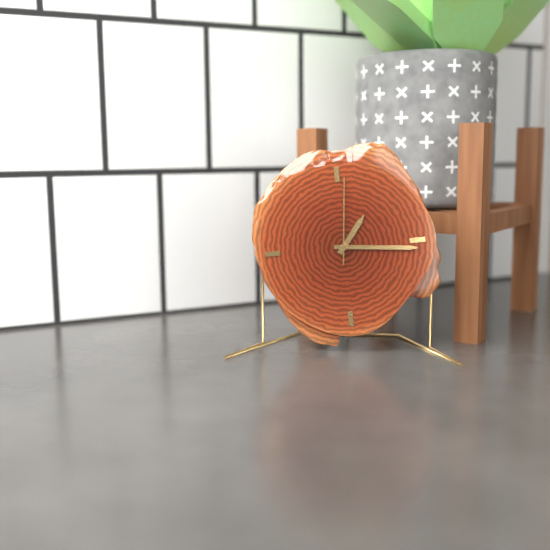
1:16:01
